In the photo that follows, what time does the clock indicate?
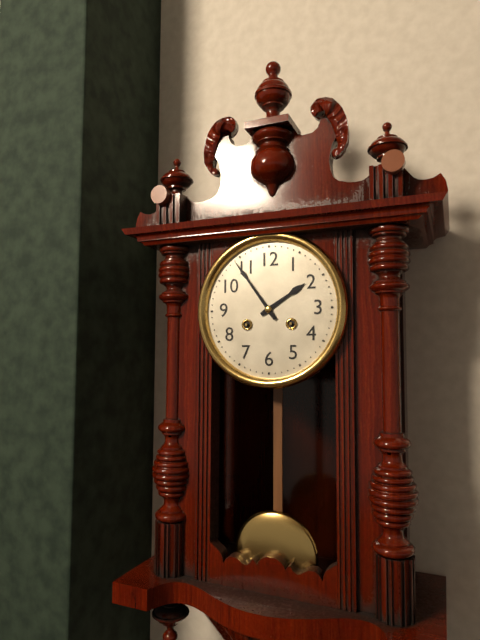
1:54
